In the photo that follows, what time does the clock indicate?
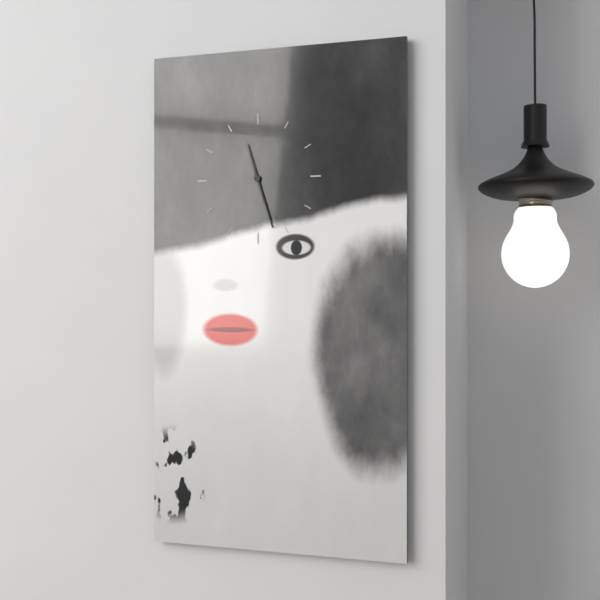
11:27
